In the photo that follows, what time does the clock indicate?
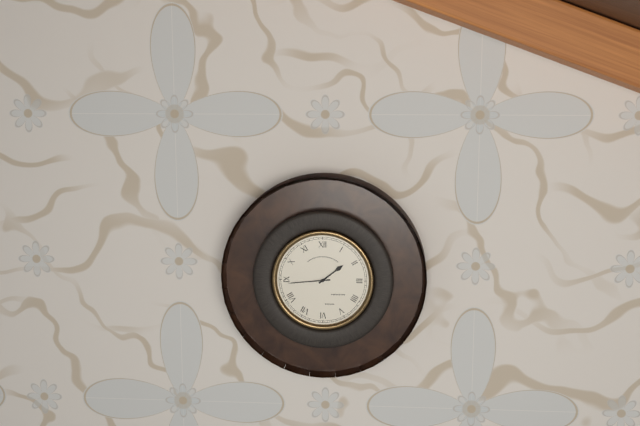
1:44
